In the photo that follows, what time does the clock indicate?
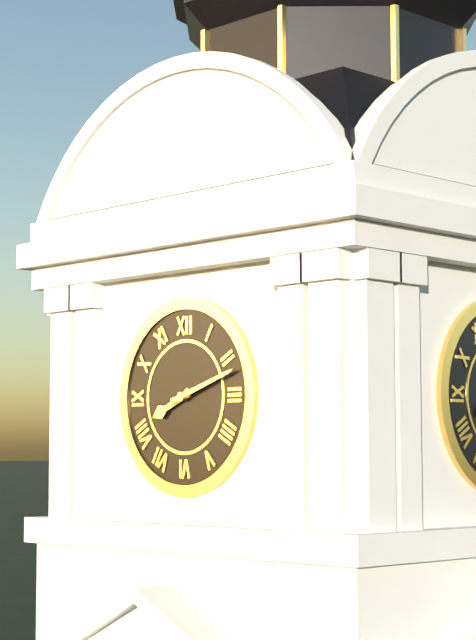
8:12
